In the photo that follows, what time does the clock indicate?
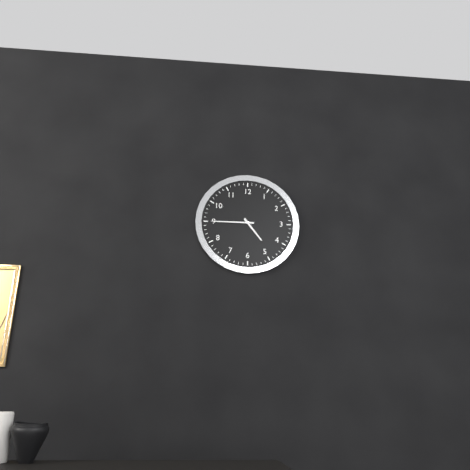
4:45
